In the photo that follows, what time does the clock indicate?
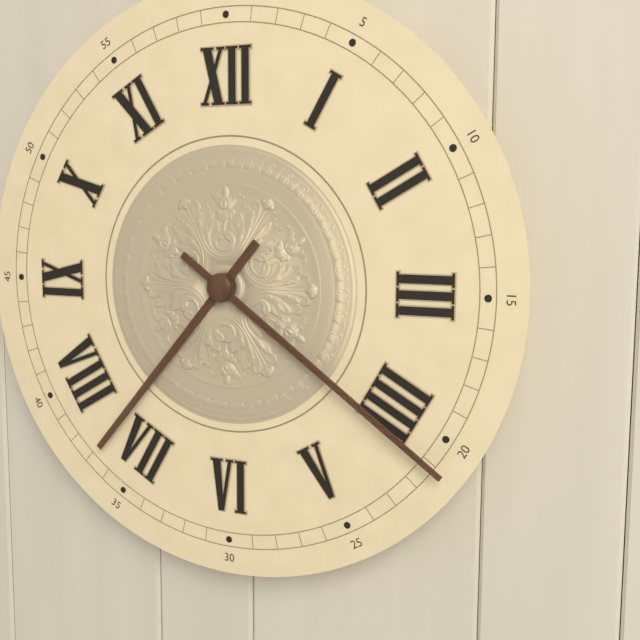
7:21
